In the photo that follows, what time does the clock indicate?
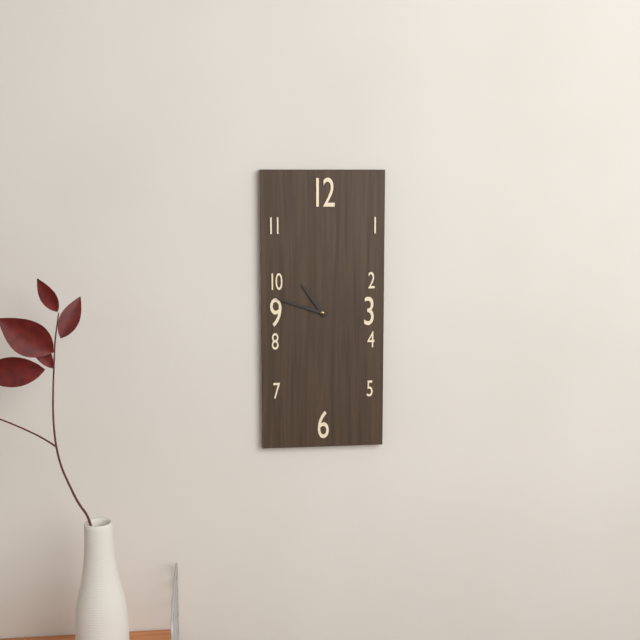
10:48
